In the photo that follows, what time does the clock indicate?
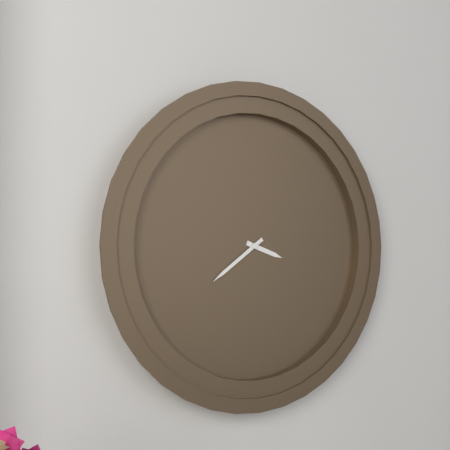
3:39
